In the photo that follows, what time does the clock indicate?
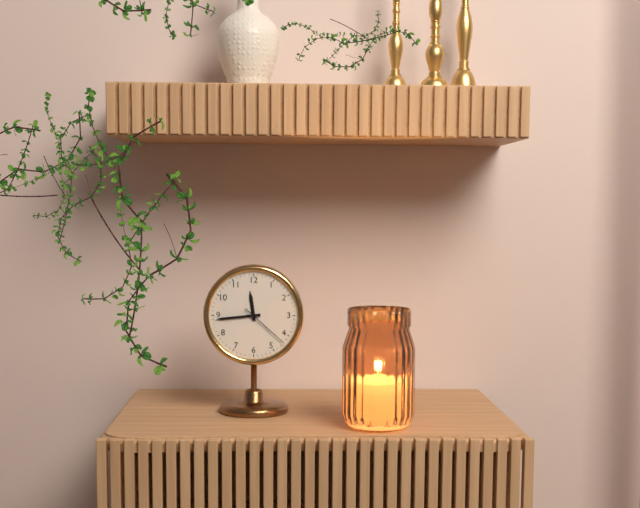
11:44
